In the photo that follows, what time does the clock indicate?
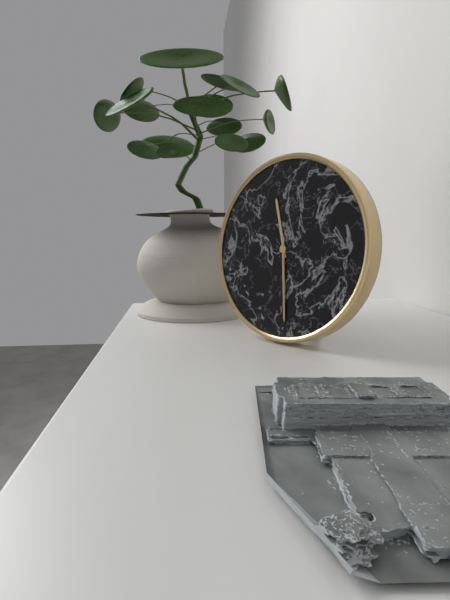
11:29
